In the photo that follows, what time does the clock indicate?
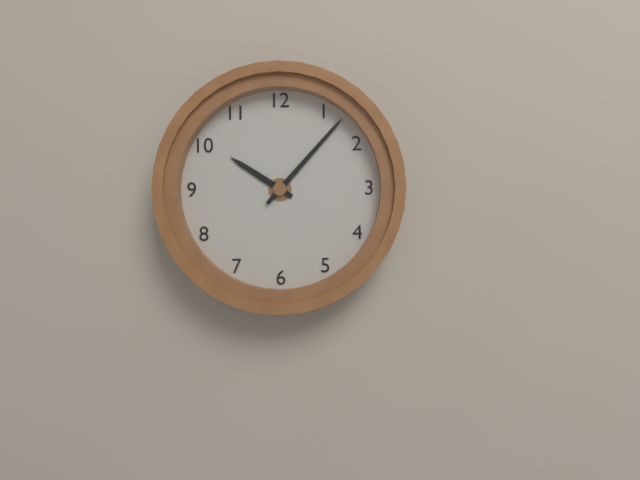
10:07
